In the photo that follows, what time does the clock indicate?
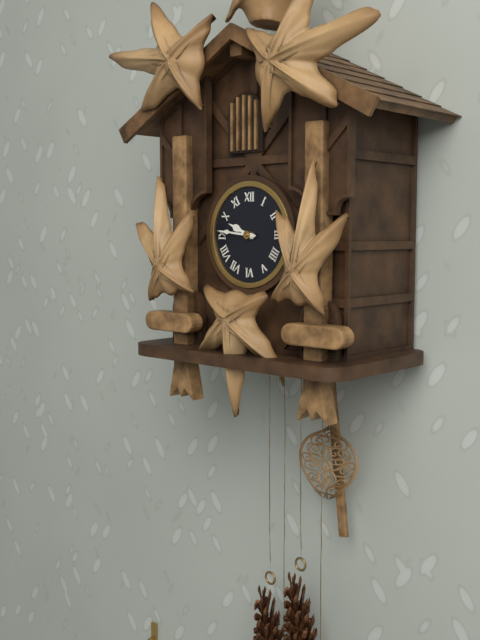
9:46
